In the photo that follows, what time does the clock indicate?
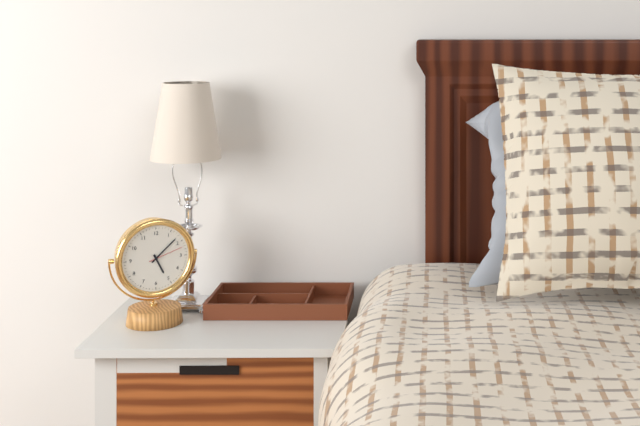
5:08
